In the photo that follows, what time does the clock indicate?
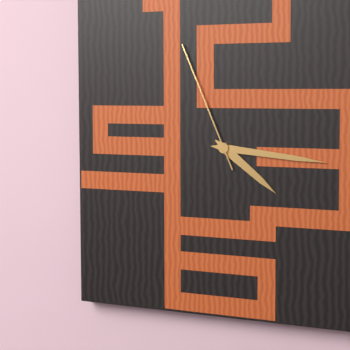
4:16:56
